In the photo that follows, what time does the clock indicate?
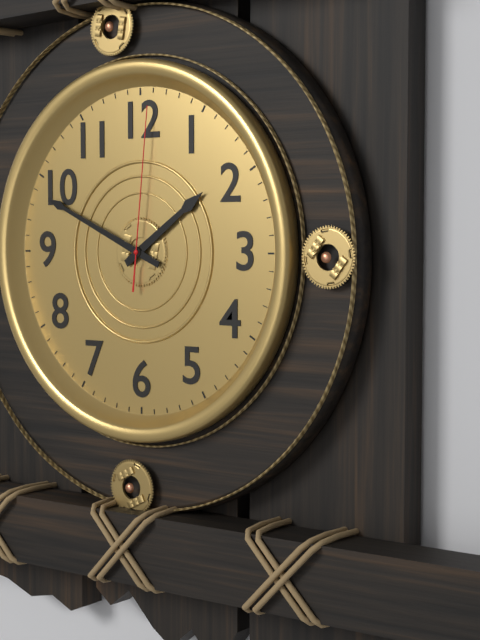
1:49:01
